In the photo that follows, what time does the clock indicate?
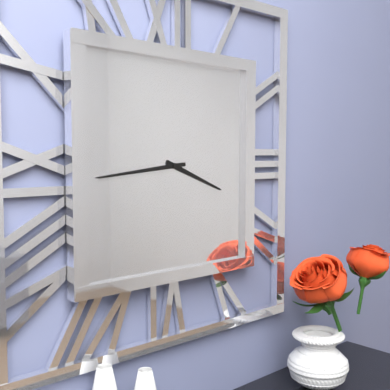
3:44
